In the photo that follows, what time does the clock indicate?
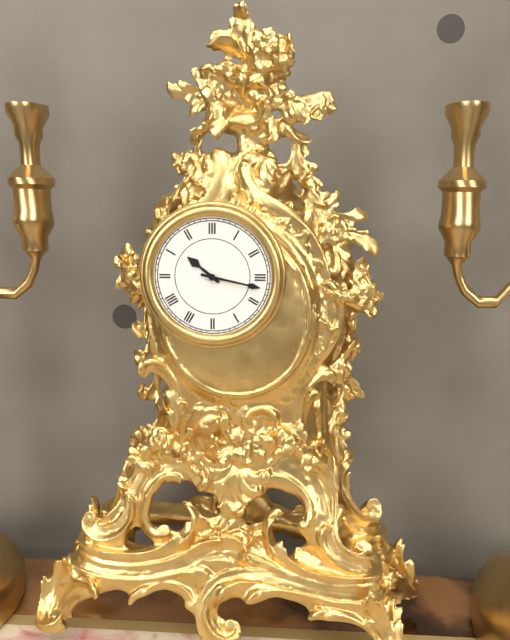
10:17
